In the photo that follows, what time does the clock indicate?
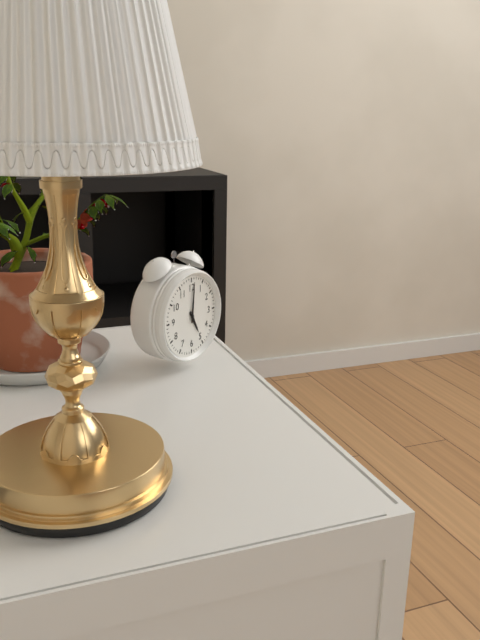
5:01
